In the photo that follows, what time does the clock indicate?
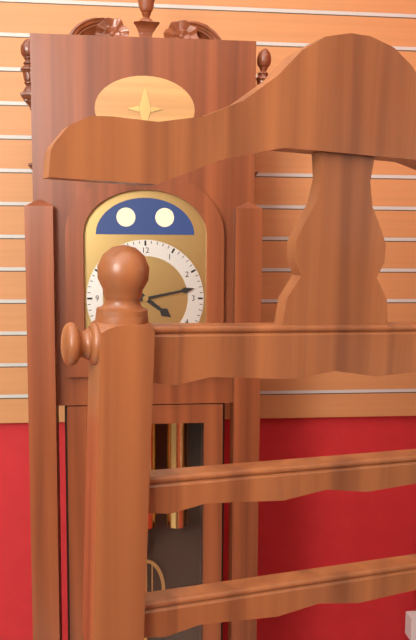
4:13
